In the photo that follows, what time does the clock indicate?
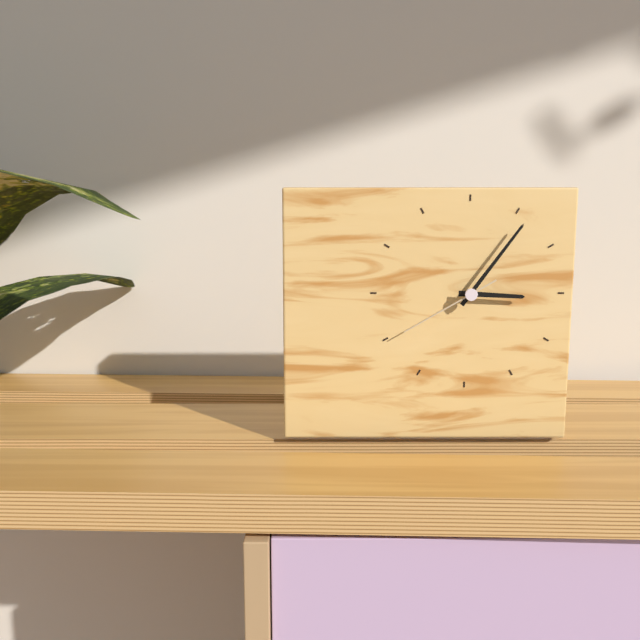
3:06:40
